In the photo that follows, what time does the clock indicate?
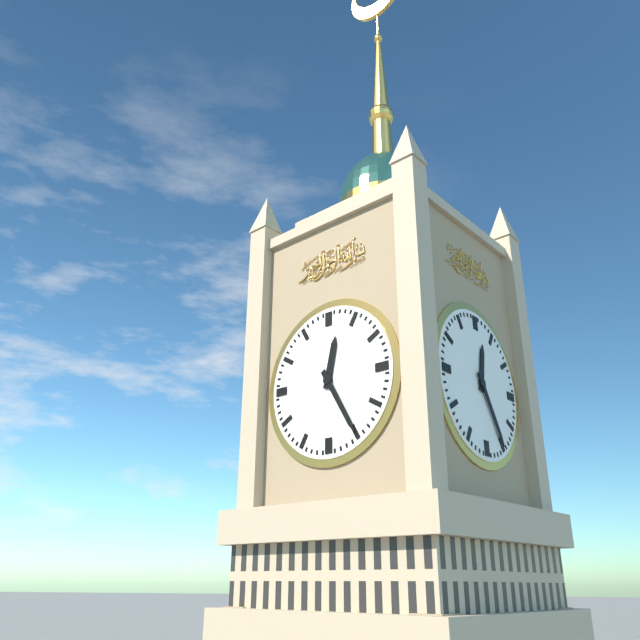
12:25
